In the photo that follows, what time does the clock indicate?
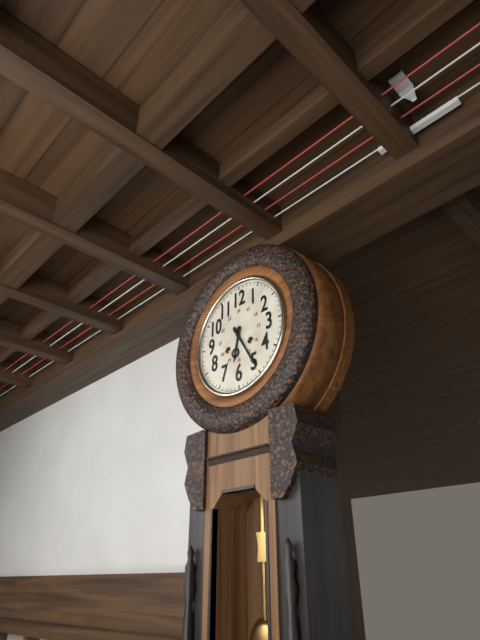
6:25
